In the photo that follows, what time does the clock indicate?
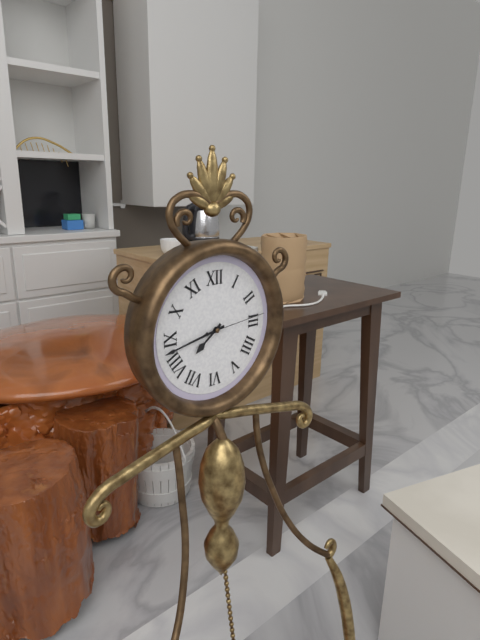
7:43:14
